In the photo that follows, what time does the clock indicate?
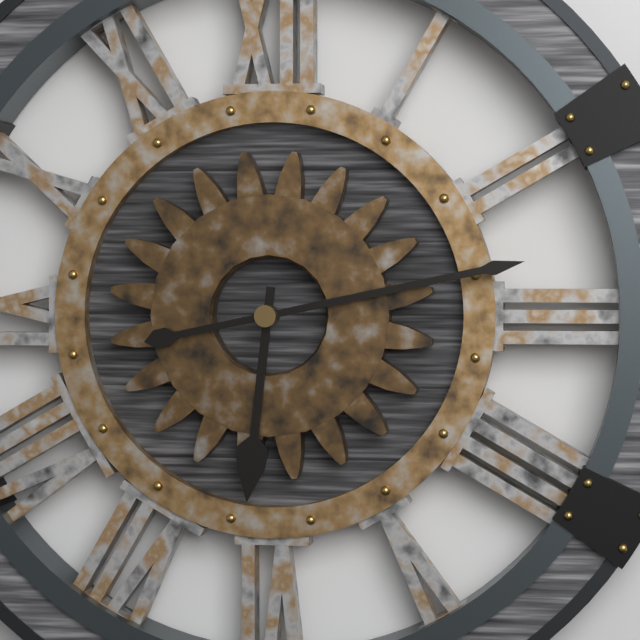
6:13
